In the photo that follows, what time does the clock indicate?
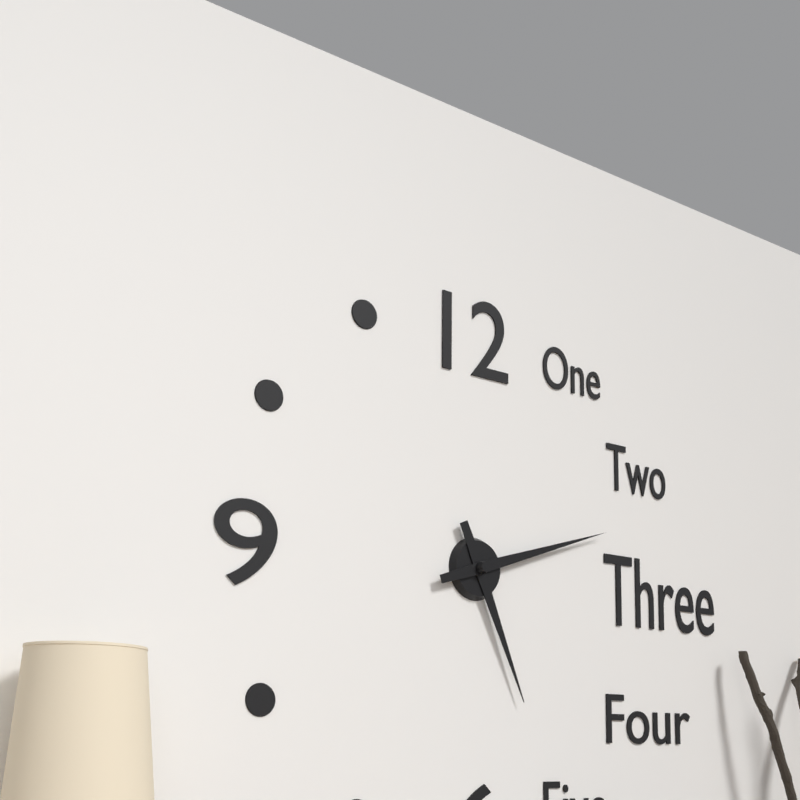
5:12
